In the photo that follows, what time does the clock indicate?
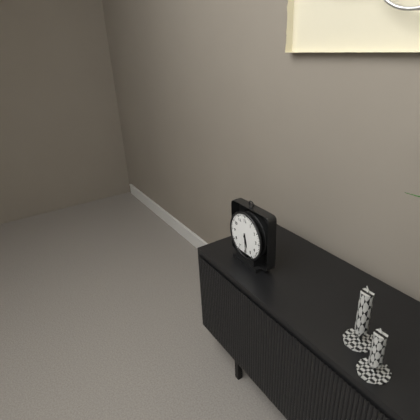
5:29
